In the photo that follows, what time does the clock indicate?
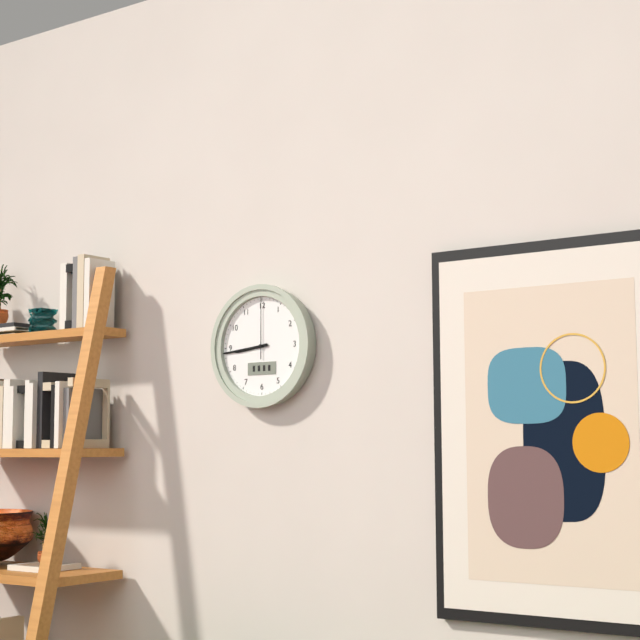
8:44:00
